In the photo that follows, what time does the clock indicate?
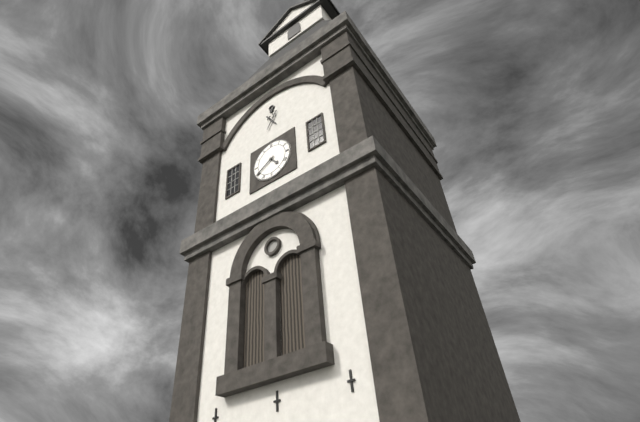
4:40
